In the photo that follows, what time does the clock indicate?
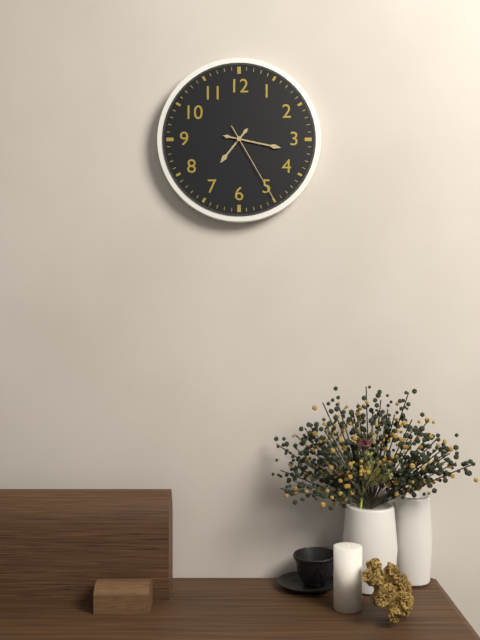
7:17:25
